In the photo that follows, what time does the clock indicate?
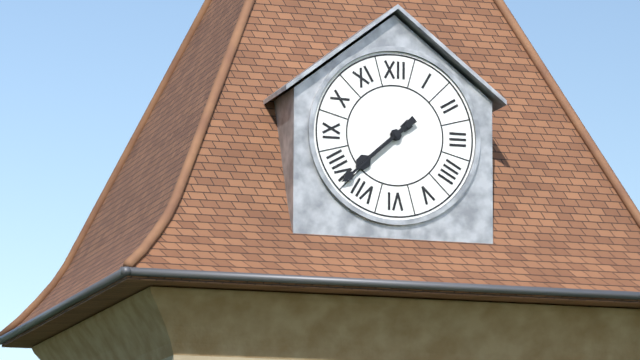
7:38
